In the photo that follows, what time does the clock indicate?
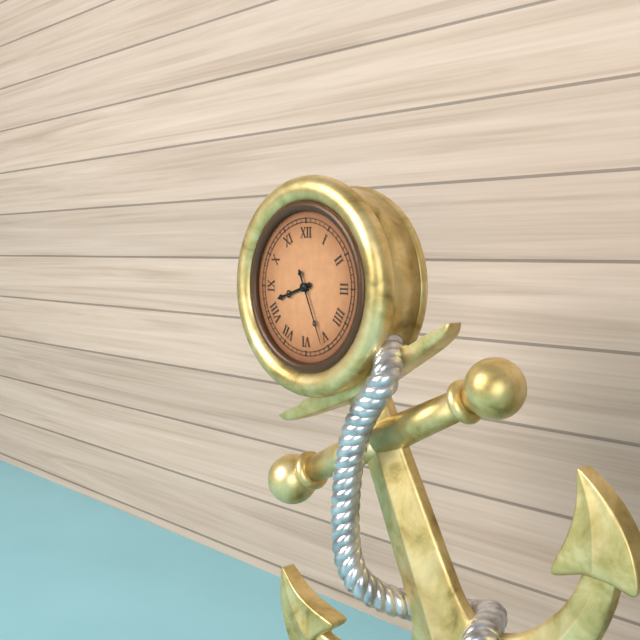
8:26
